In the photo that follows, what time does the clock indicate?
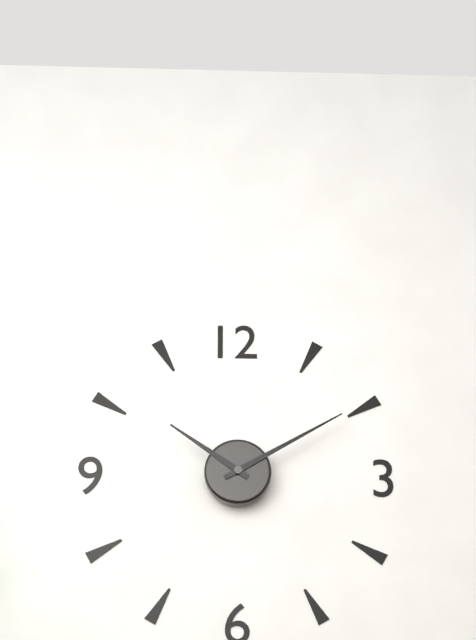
10:10
